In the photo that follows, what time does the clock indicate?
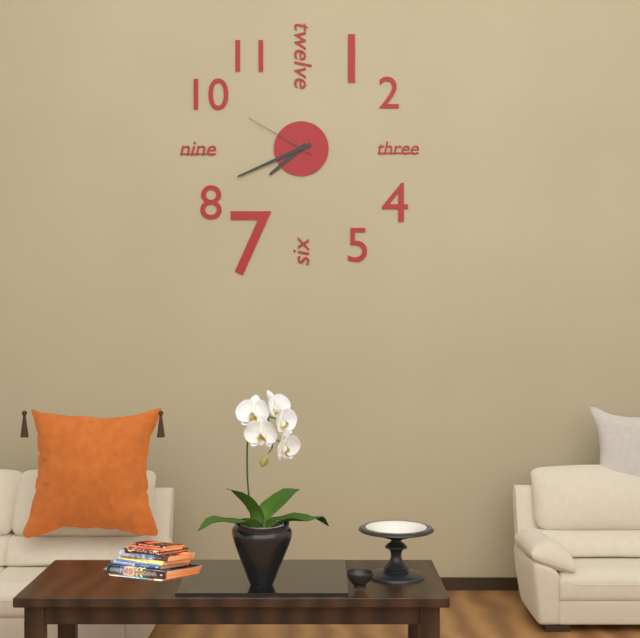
7:41:50
